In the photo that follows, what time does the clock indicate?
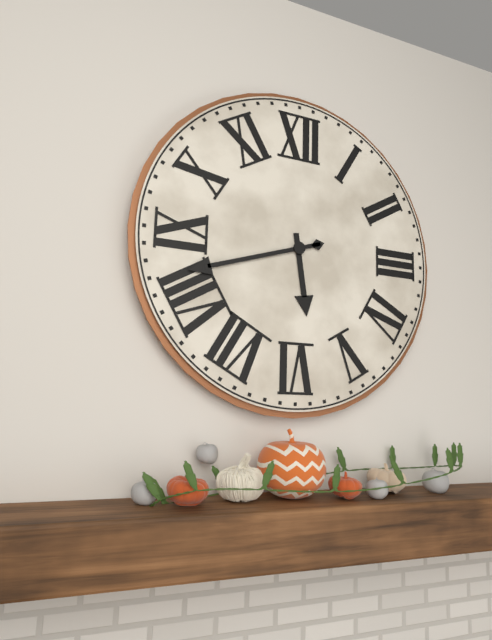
5:42
